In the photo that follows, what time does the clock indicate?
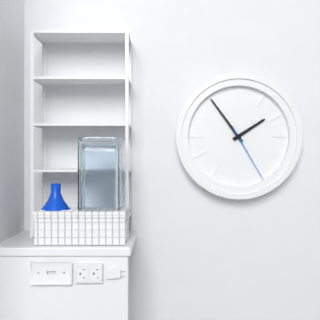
1:54:25
